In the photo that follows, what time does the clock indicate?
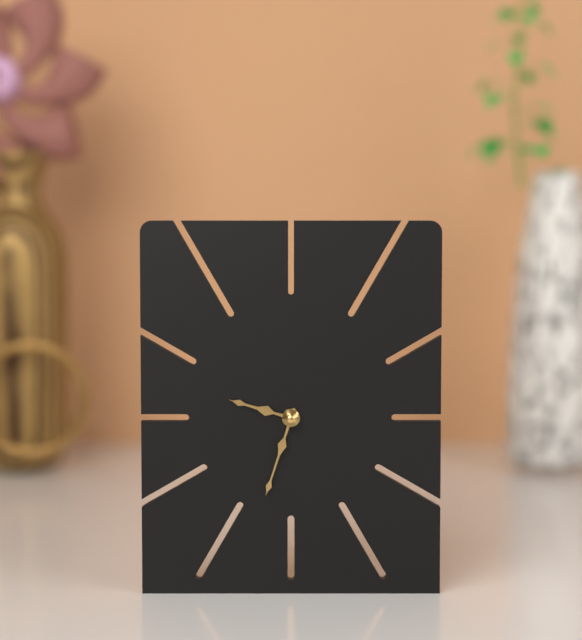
9:33
